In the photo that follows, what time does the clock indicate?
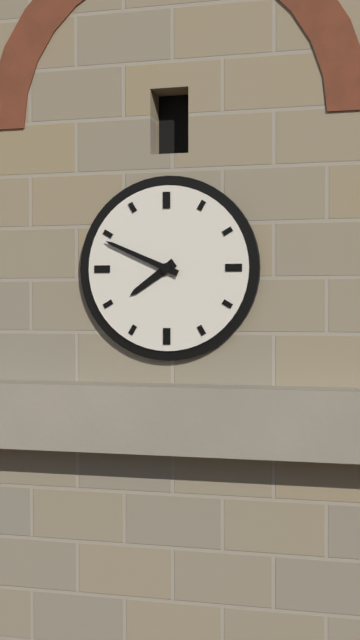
7:49
